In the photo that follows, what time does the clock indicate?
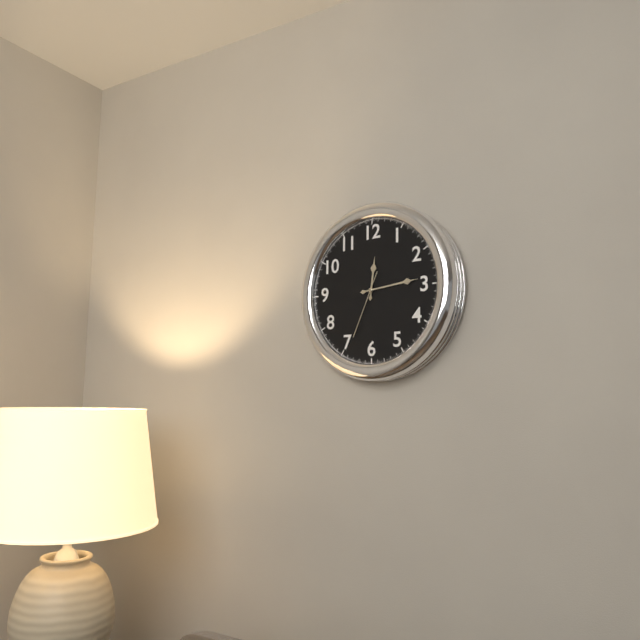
12:14:34
